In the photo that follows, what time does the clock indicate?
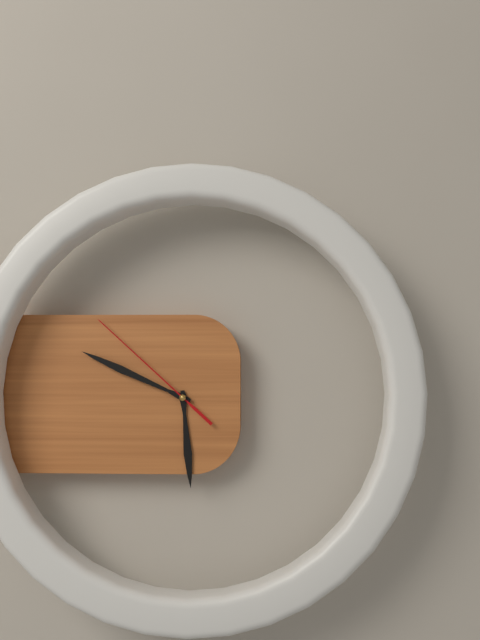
5:49:52
